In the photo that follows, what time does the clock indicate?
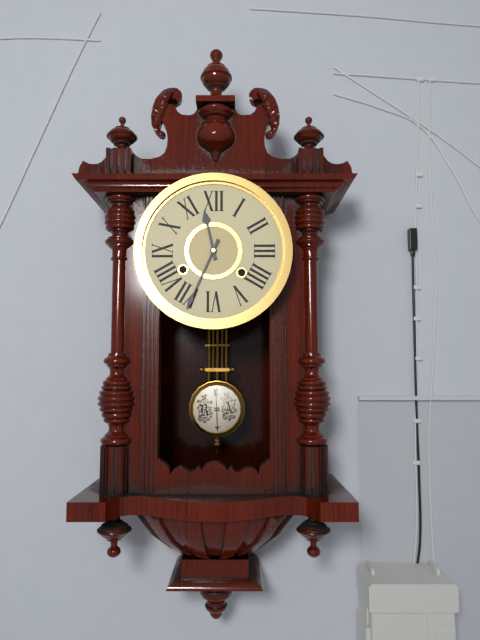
11:34
